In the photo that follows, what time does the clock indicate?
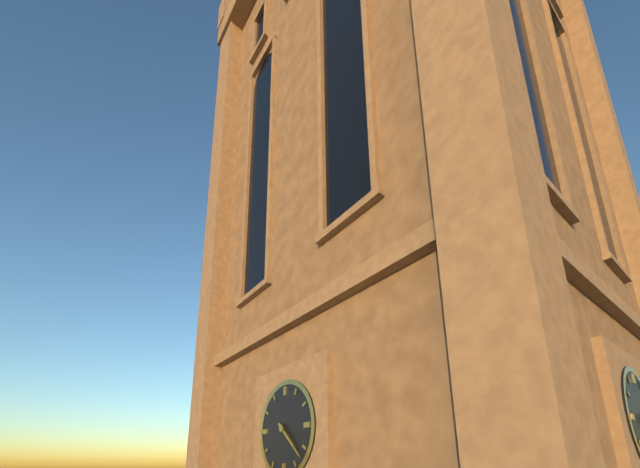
4:22
